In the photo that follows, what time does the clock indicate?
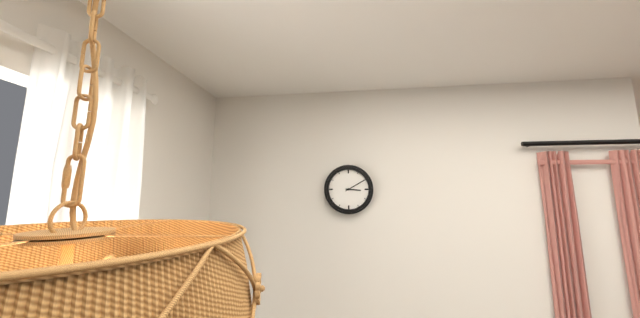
3:10
